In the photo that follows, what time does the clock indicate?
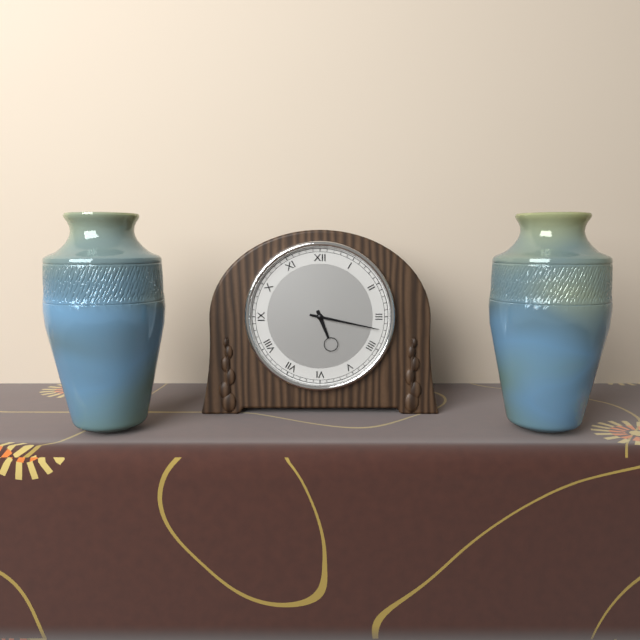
5:17
